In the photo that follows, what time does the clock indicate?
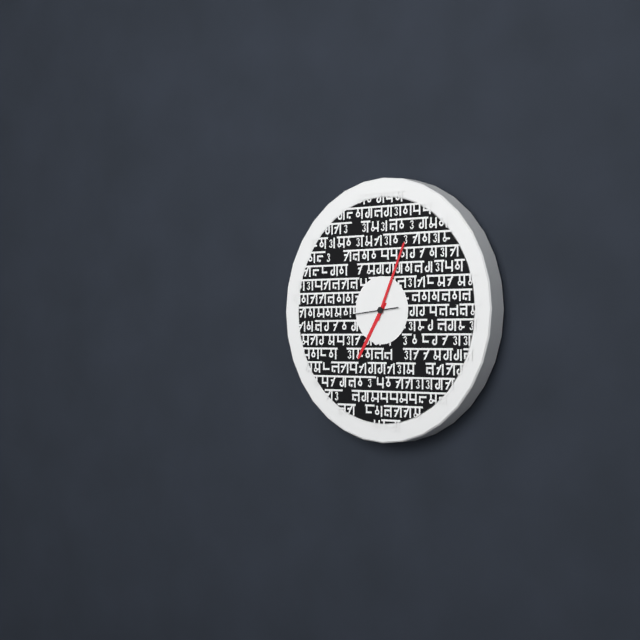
7:04:44
